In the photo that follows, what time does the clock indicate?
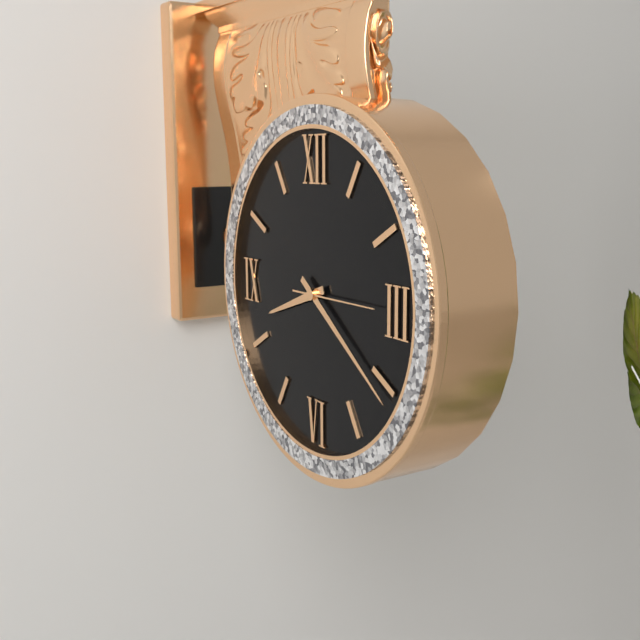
8:21
